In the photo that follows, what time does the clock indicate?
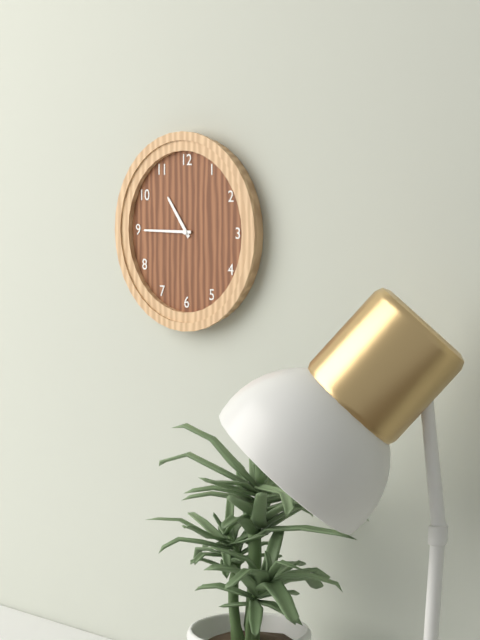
10:45
